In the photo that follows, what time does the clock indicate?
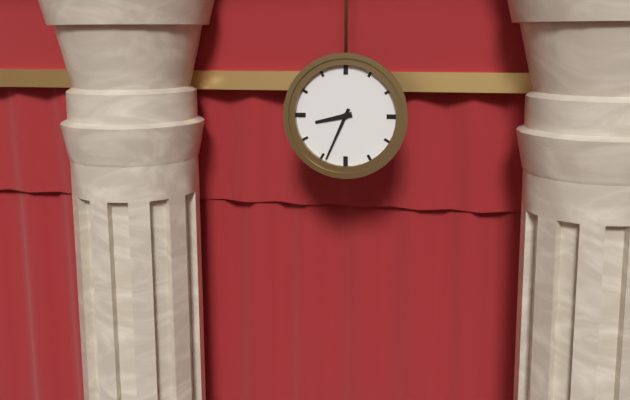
8:34
